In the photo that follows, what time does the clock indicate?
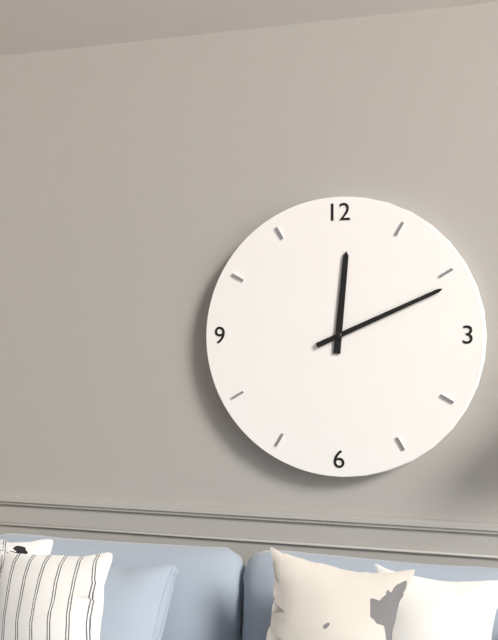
12:11
